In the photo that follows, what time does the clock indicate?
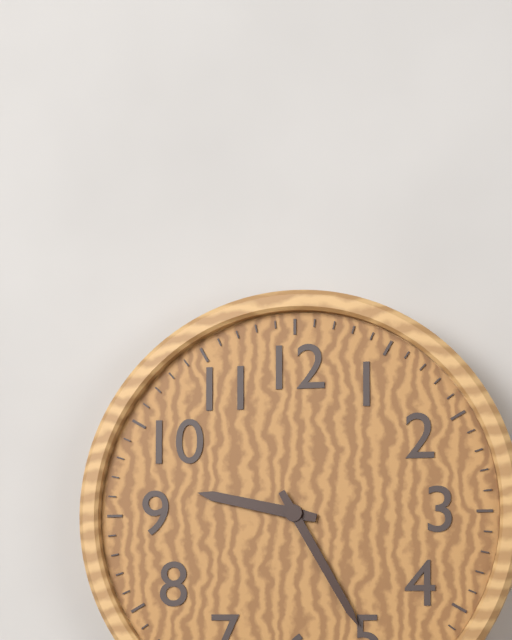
9:25
